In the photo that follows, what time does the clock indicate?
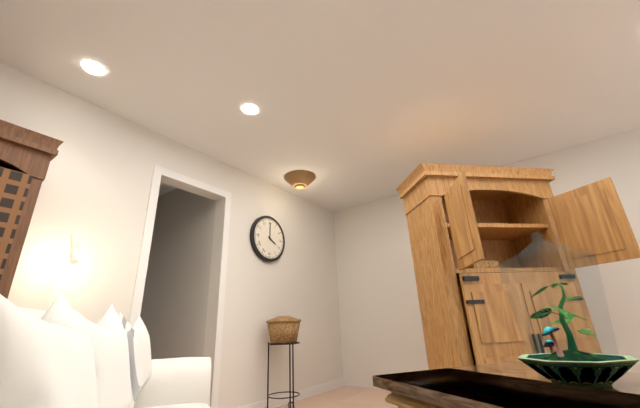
4:00
